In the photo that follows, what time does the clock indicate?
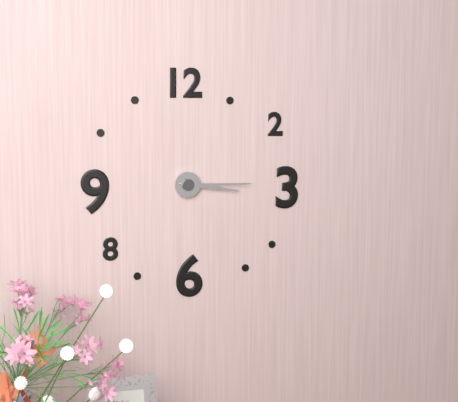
3:15
